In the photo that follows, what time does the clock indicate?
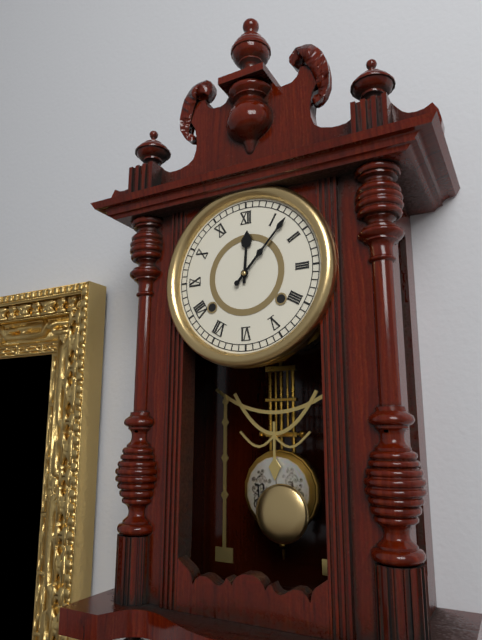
12:07
